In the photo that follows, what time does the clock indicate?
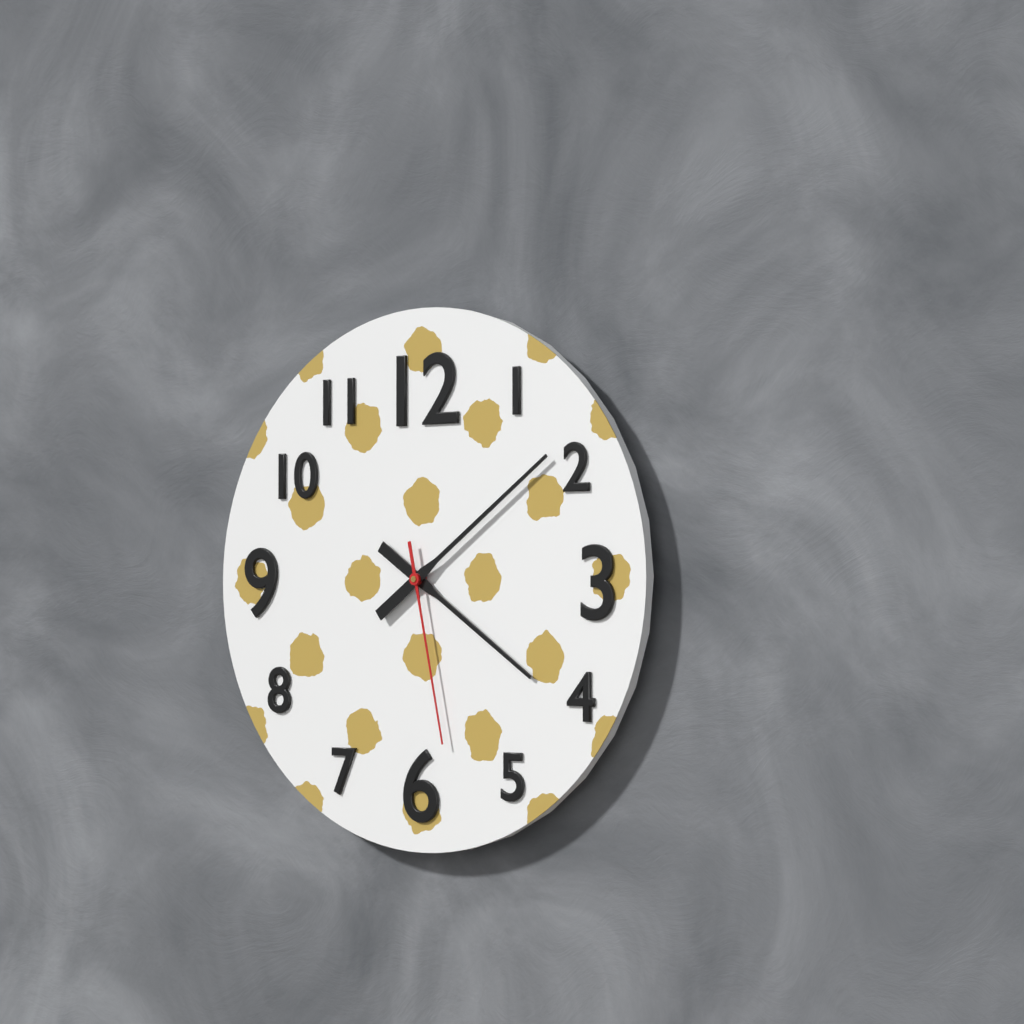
4:09:28
